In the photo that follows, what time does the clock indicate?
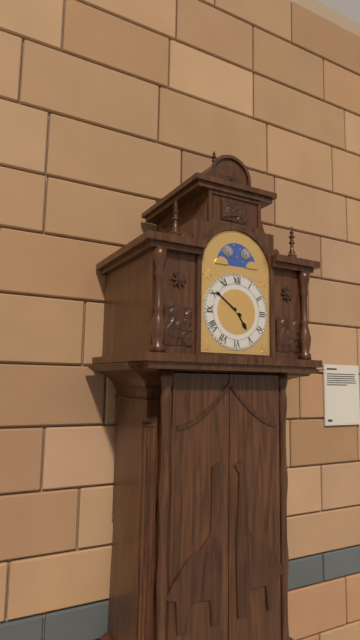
4:51
